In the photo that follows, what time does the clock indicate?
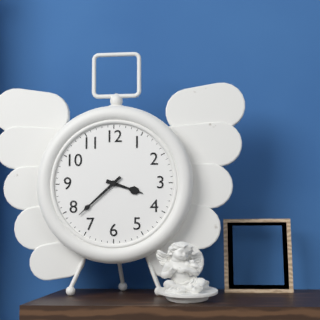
3:38
